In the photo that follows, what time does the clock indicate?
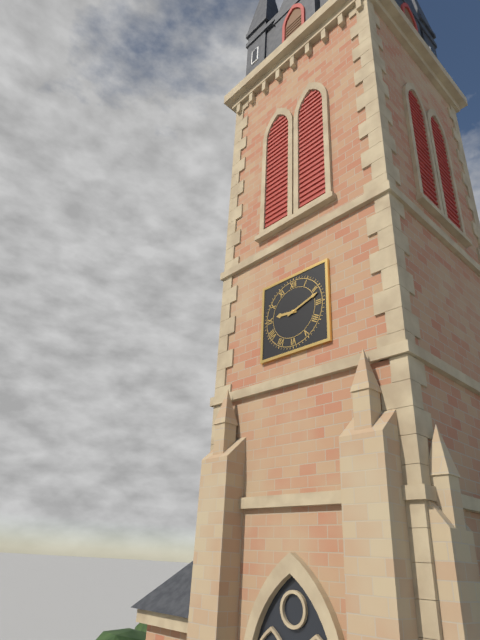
9:12
